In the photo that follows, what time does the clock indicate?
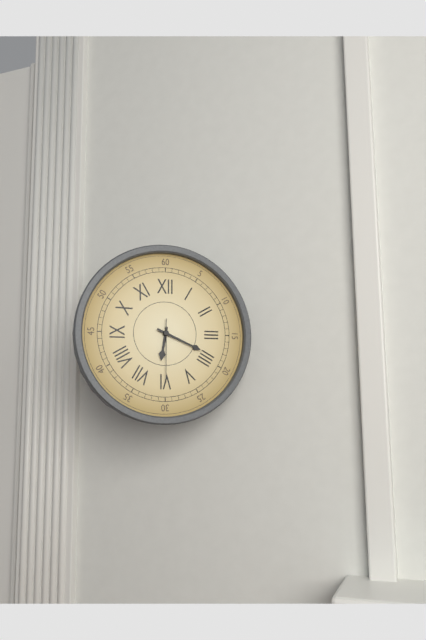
6:19:30
